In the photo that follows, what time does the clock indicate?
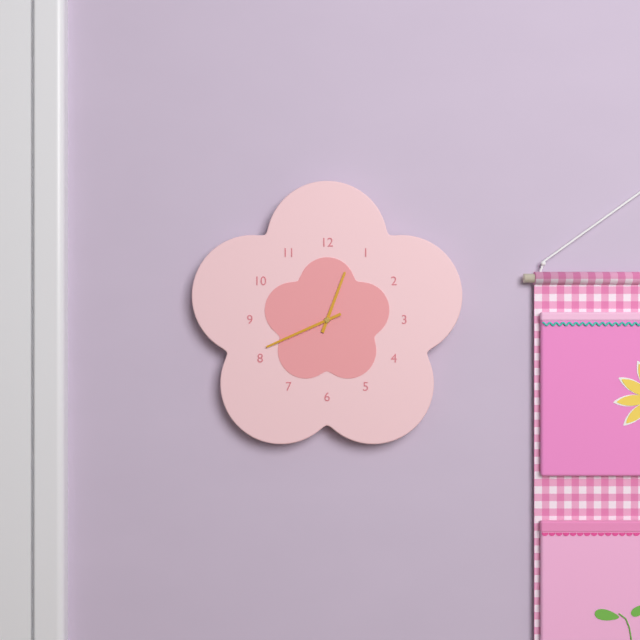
12:41
